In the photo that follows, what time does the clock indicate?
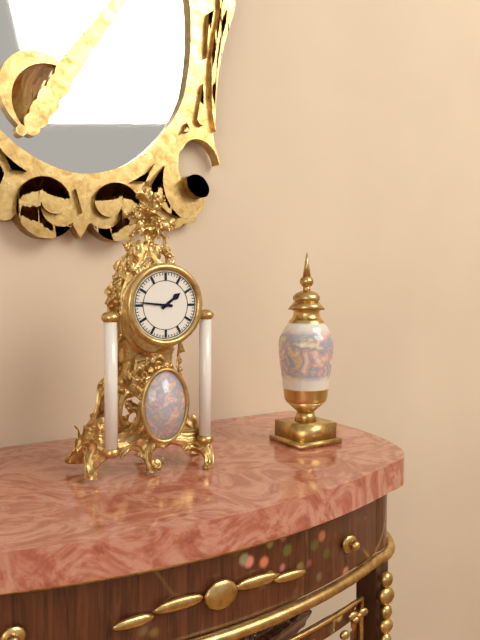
1:46
